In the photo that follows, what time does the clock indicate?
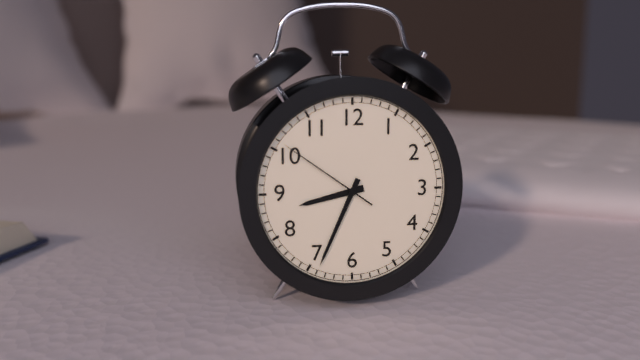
8:34:51
